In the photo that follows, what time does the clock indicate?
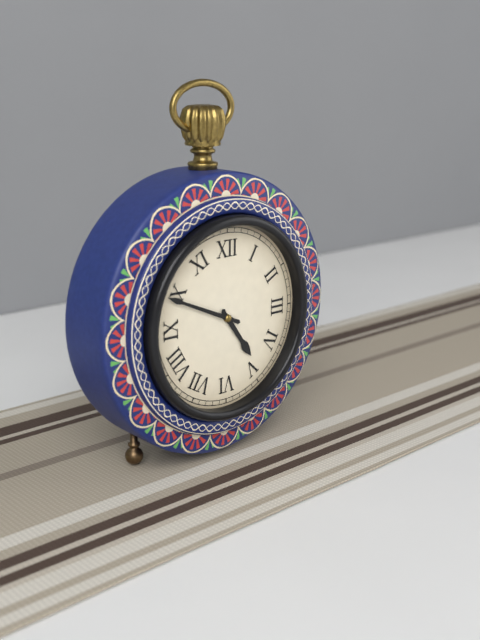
4:49
